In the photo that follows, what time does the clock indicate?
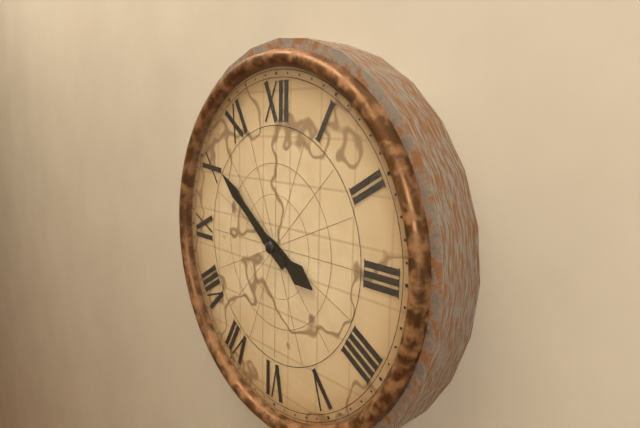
3:51
